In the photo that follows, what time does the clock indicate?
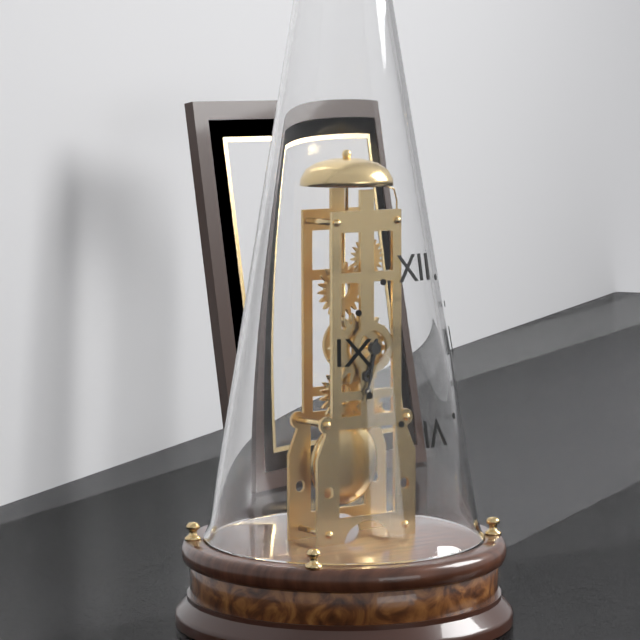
6:32
